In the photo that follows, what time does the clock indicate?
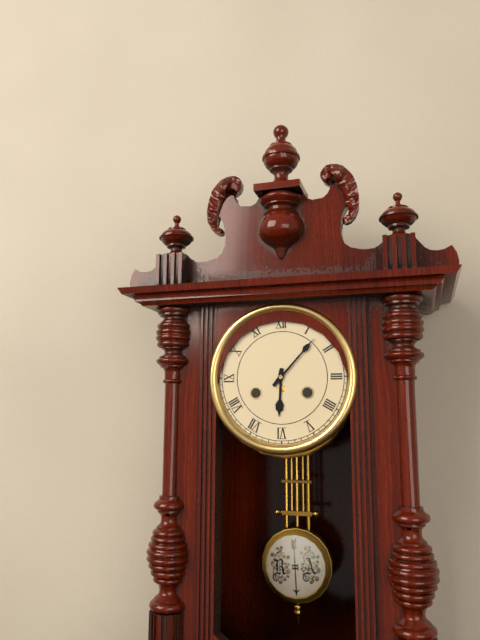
6:07
